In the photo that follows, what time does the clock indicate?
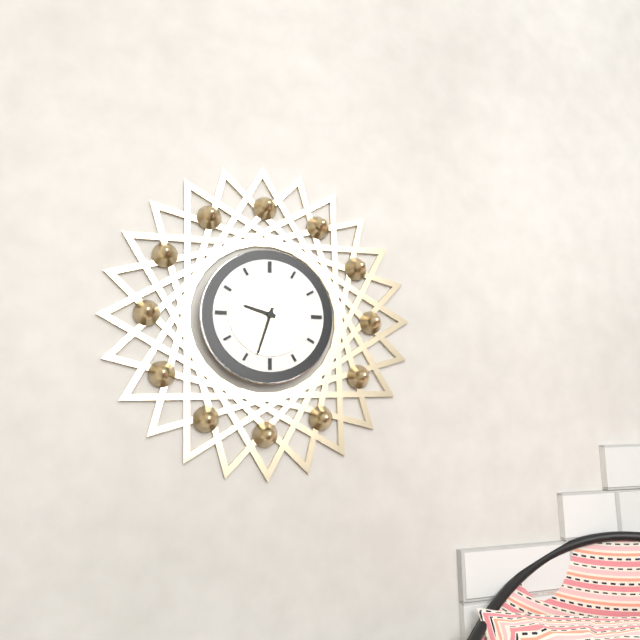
9:33
